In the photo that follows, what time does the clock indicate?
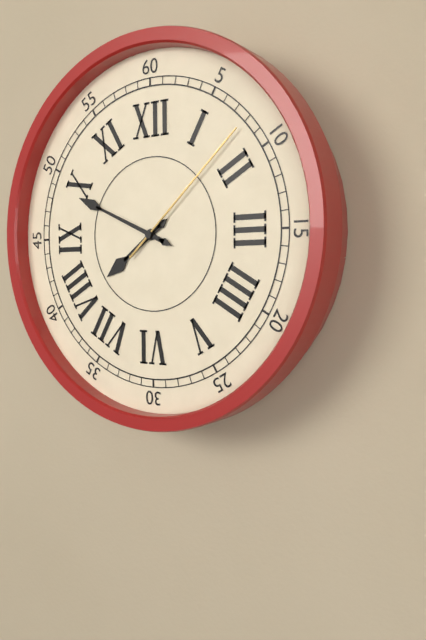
7:49:08
